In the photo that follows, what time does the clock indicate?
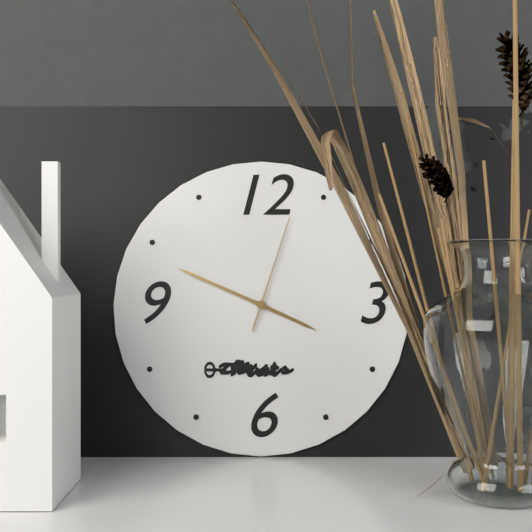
3:49:03
